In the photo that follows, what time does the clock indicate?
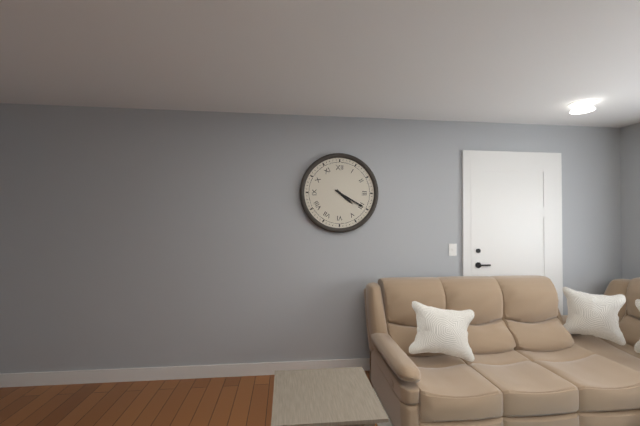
4:20
